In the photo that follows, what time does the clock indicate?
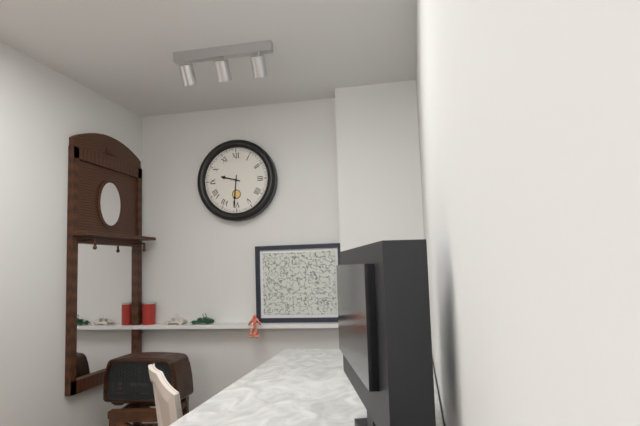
9:31
